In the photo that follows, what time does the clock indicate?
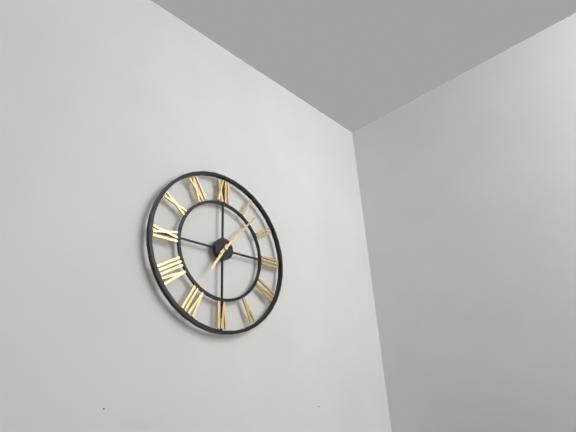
7:07
